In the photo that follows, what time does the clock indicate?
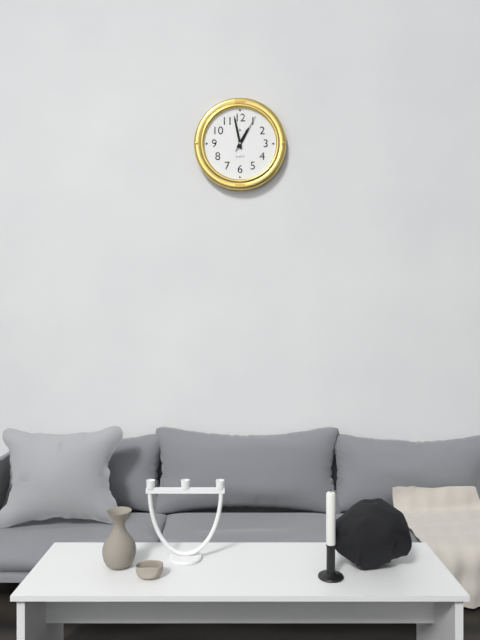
12:58
